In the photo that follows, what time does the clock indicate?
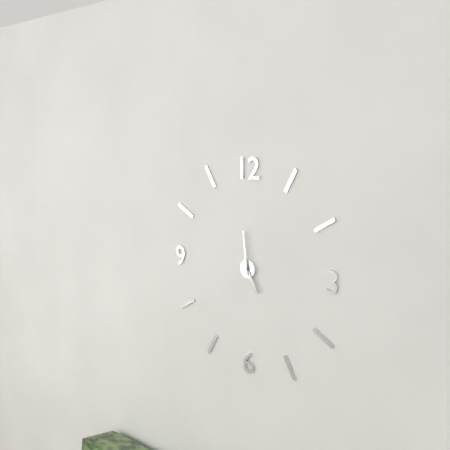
4:59
